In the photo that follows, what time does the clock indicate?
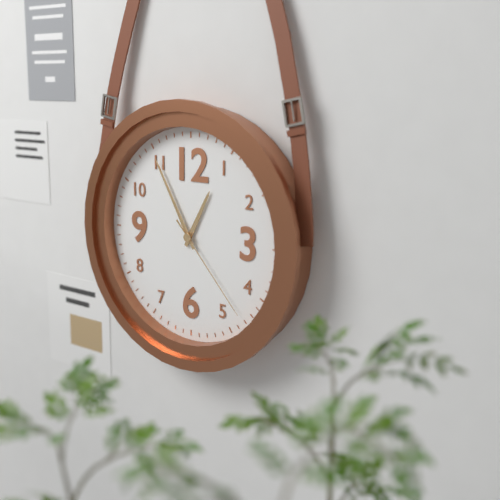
12:55:23
